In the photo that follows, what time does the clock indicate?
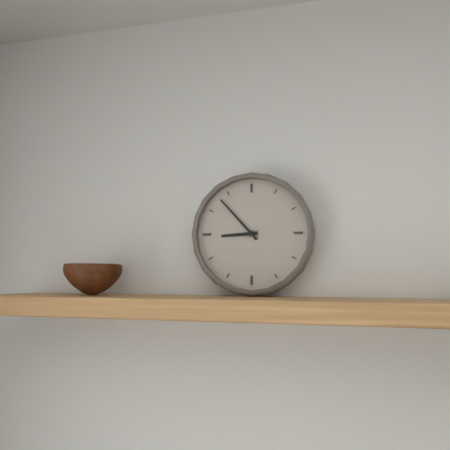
8:53
